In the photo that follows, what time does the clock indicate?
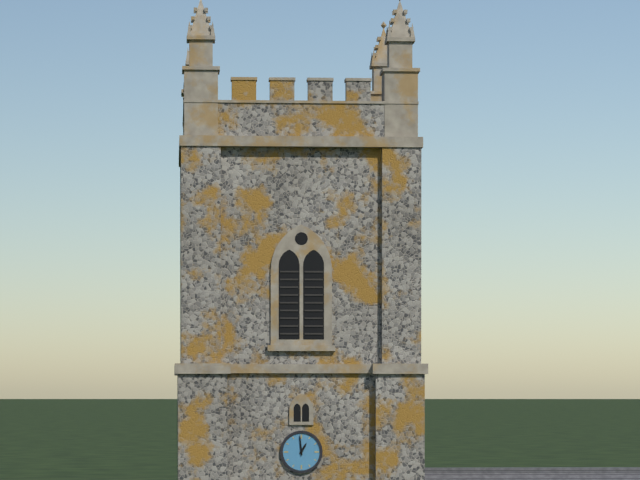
12:59
